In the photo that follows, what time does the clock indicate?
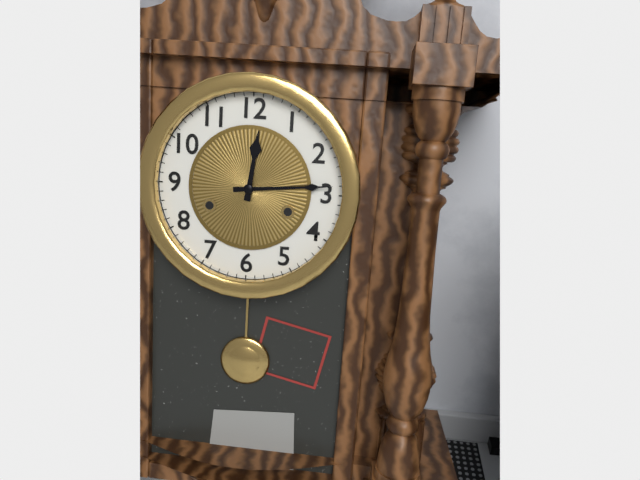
12:14
